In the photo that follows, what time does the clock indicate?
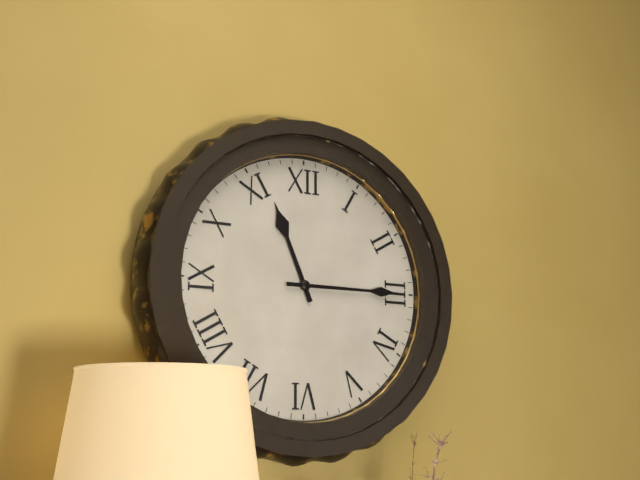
11:15
